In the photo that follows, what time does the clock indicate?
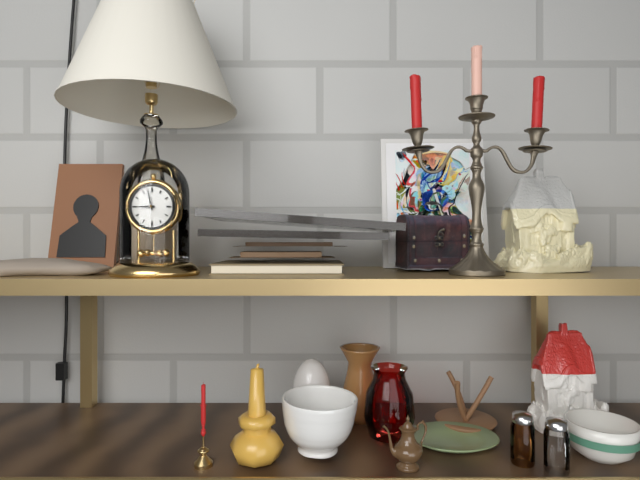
8:58
